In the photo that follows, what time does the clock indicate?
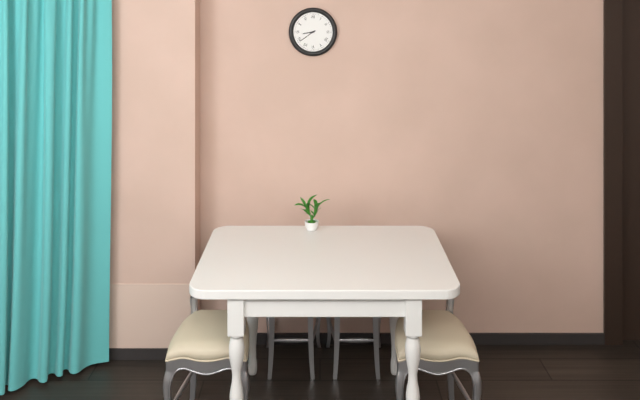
8:39
